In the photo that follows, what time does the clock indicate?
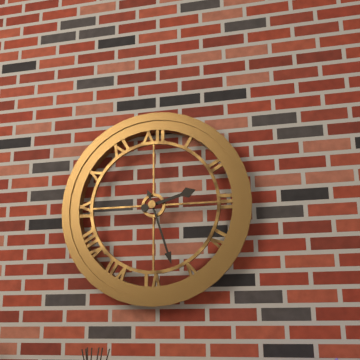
2:27
